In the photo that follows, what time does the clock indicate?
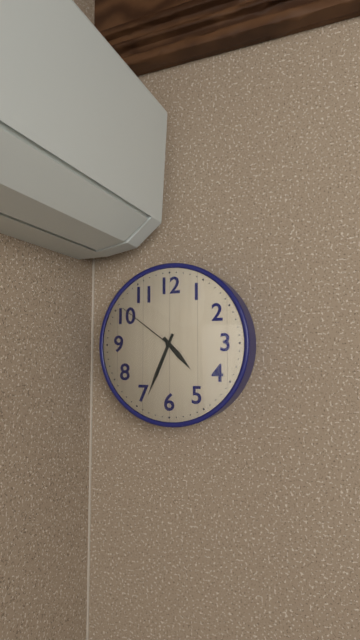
4:34:51
